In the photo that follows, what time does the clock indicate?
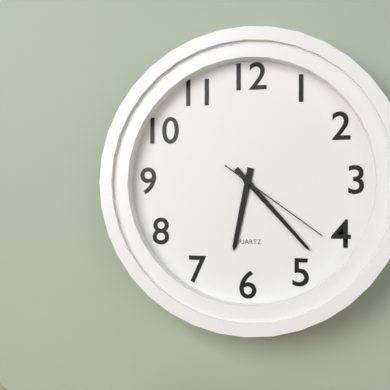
6:23:21
